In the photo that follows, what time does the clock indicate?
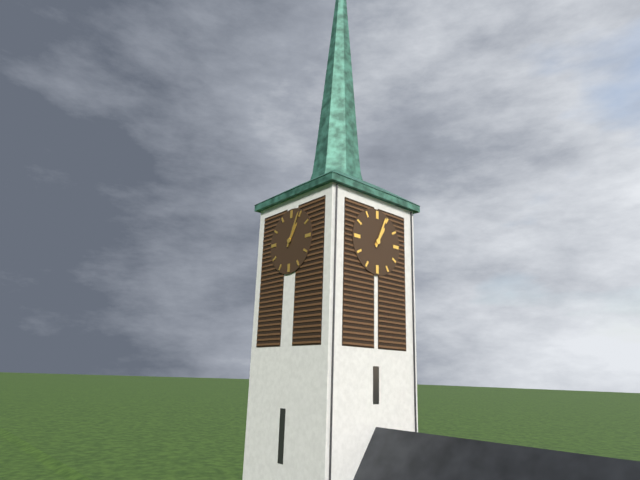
1:04
